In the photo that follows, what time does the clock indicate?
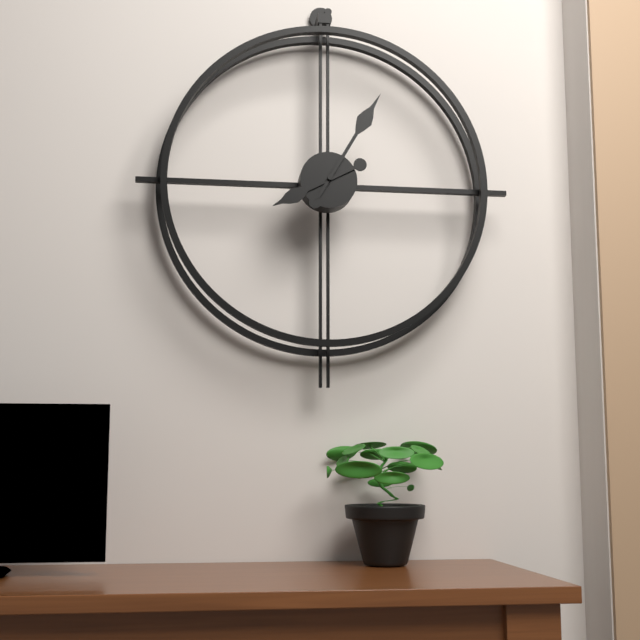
8:05
